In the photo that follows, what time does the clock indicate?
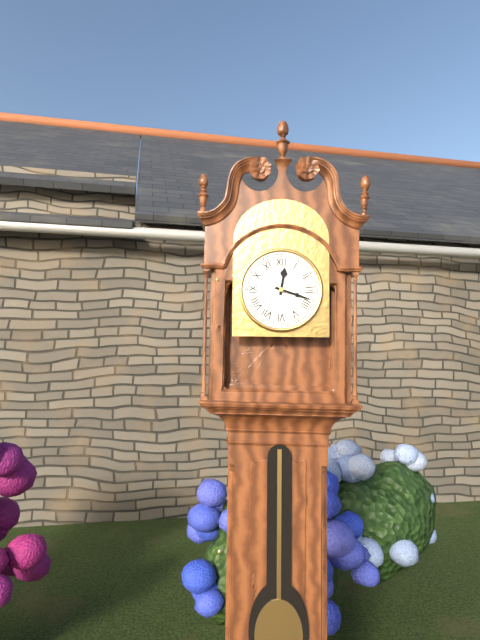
12:18
